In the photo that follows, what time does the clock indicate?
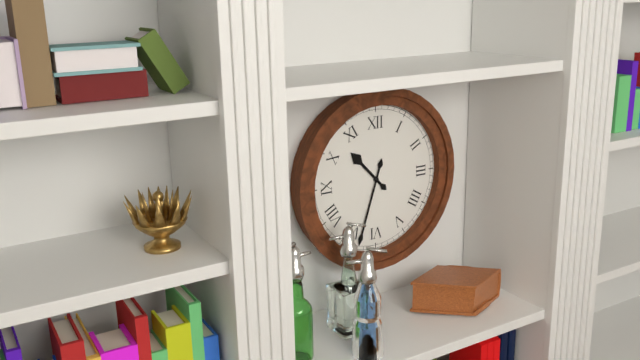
10:33
